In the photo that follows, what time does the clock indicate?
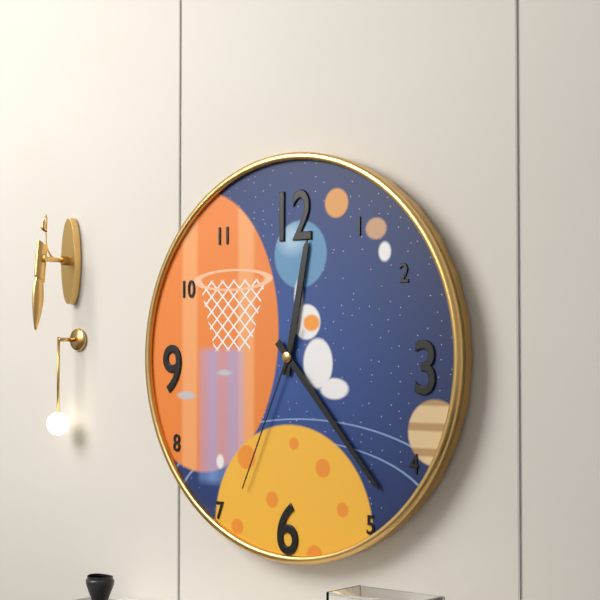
12:23:34
